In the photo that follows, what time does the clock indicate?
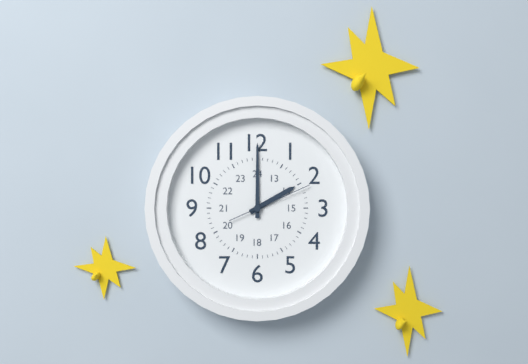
2:00:11
